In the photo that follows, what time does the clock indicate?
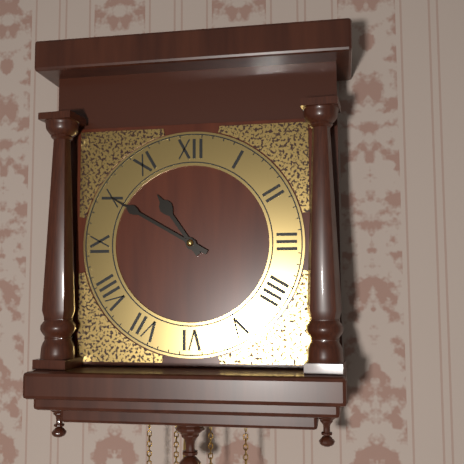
10:50
